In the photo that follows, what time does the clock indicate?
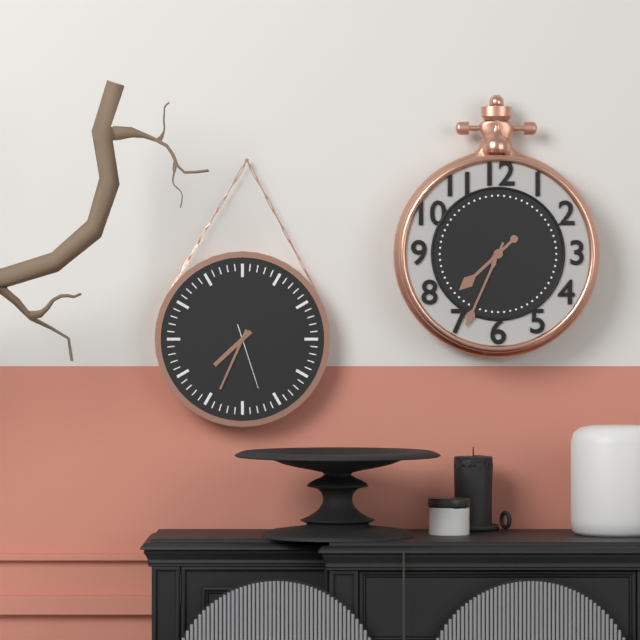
7:34:27
